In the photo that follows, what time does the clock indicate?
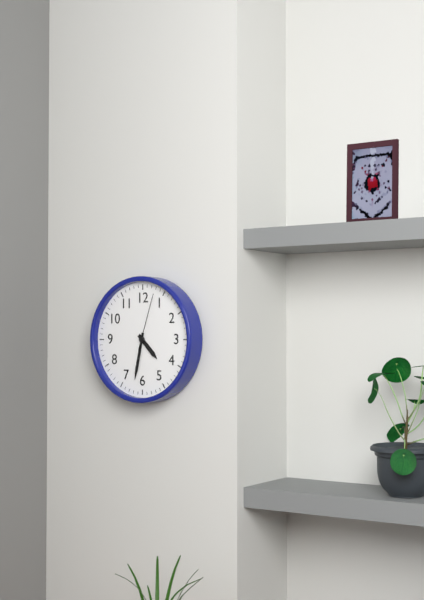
4:32:03
